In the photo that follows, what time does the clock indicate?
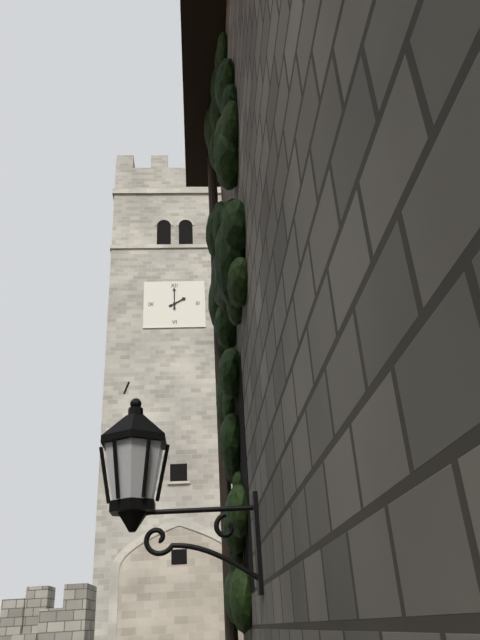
2:00
